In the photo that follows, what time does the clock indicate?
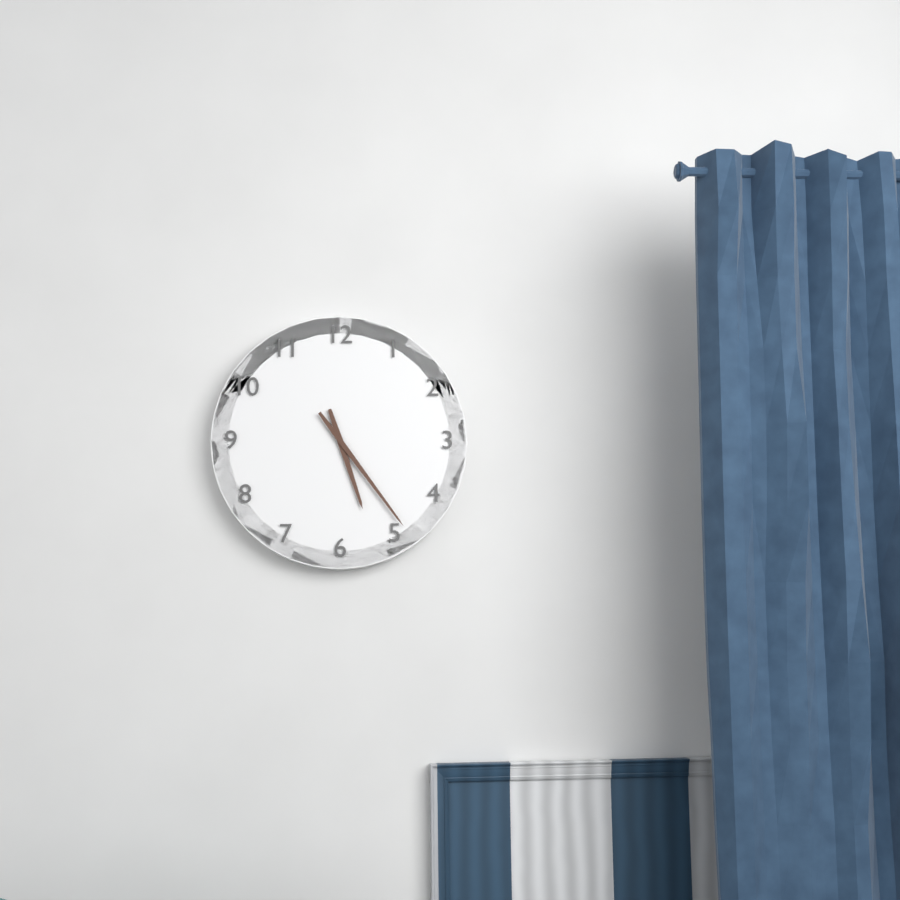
5:24
